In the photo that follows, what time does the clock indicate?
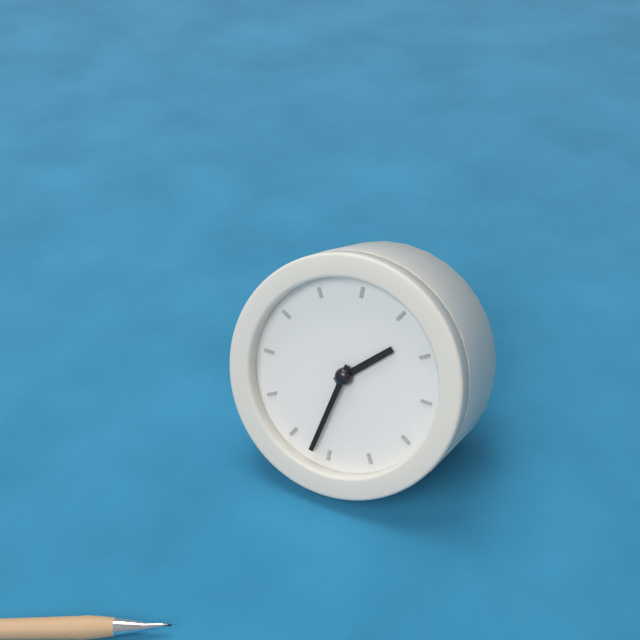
1:32
